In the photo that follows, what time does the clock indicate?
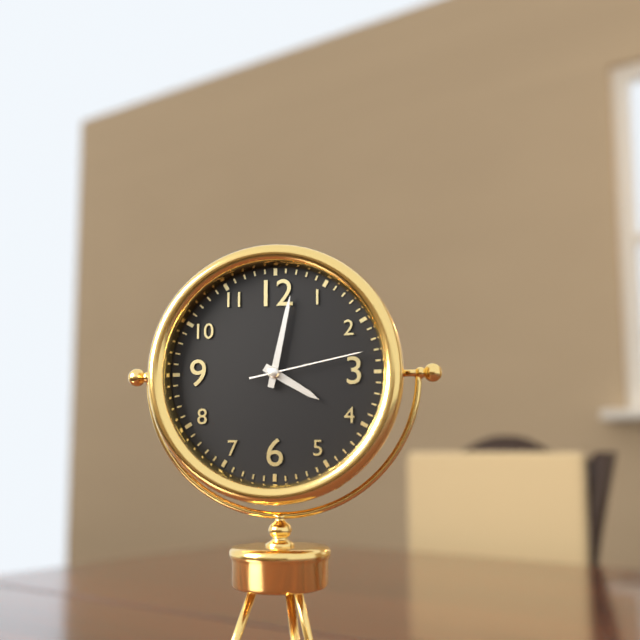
4:02:13
